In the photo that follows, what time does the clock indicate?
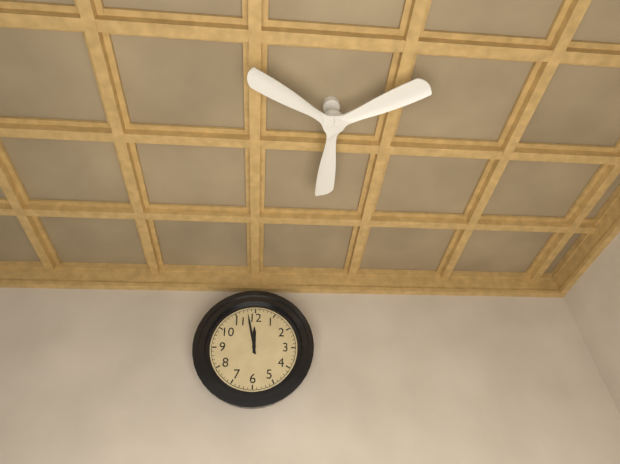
11:58
